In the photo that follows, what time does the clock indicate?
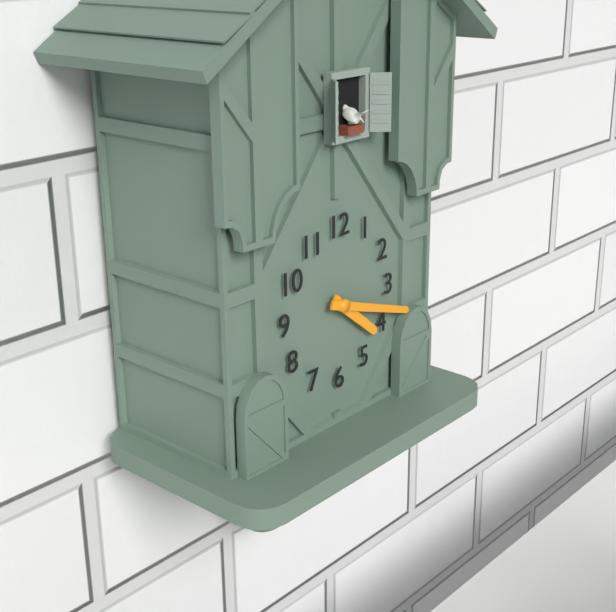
4:18
